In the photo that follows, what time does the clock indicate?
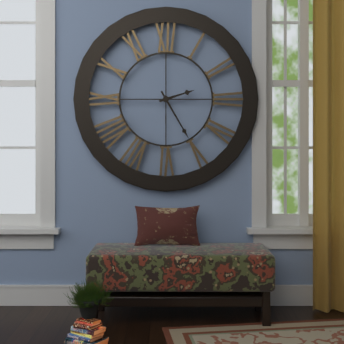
2:25
